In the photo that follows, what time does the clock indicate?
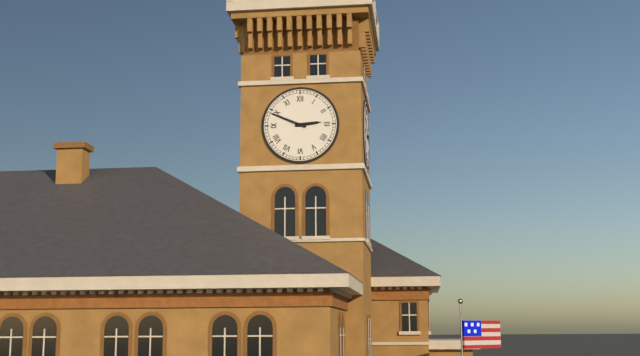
2:49
